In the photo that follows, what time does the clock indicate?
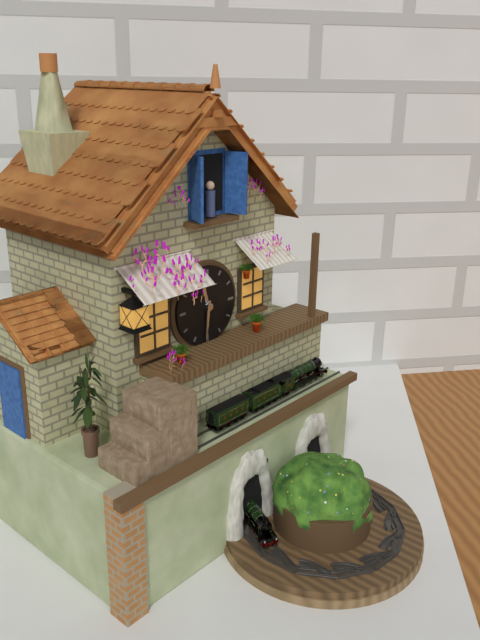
11:31
